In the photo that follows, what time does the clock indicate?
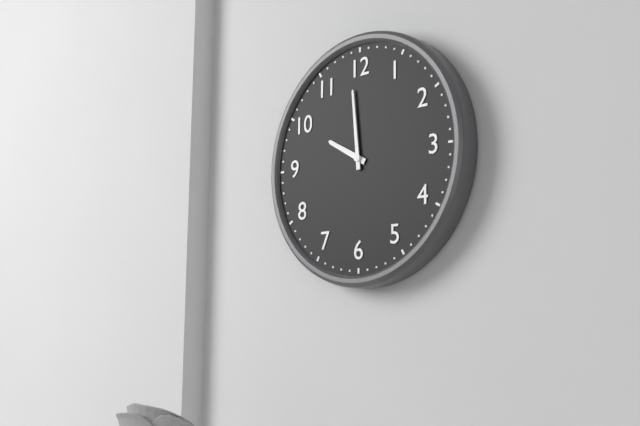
9:59
